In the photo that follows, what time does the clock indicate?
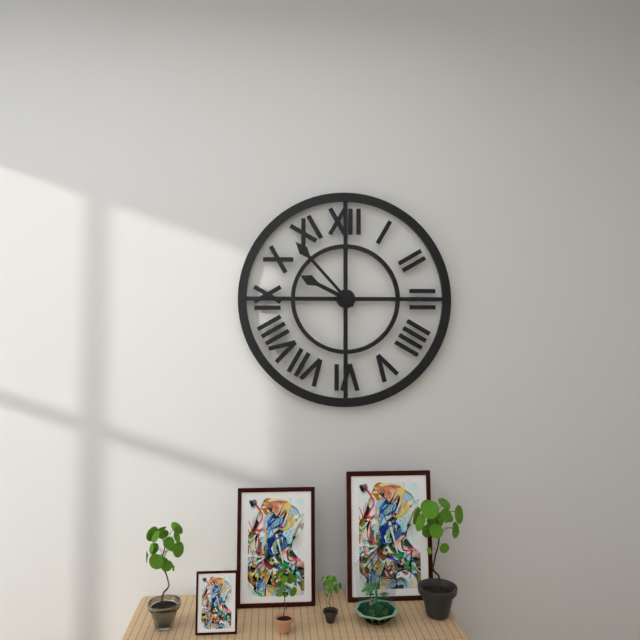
9:53
